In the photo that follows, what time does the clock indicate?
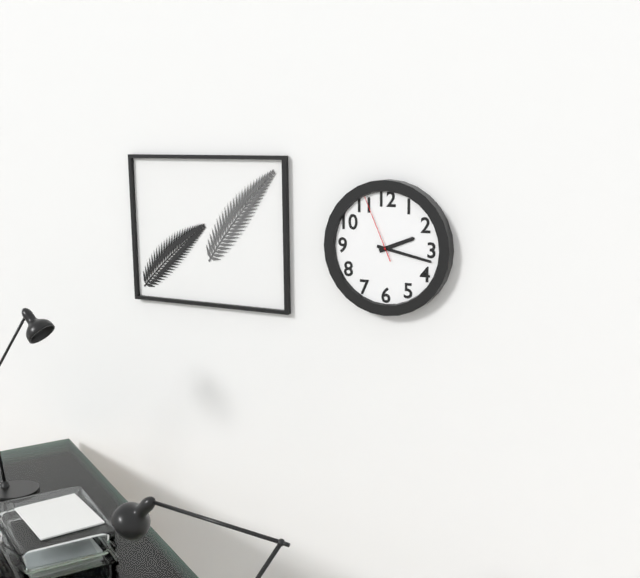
2:17:56
